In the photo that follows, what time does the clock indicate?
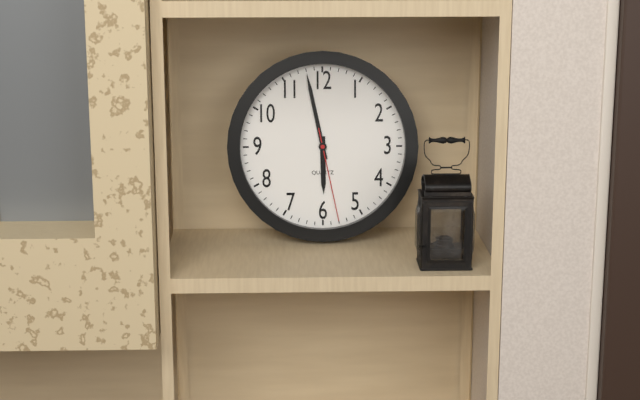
5:58:28
